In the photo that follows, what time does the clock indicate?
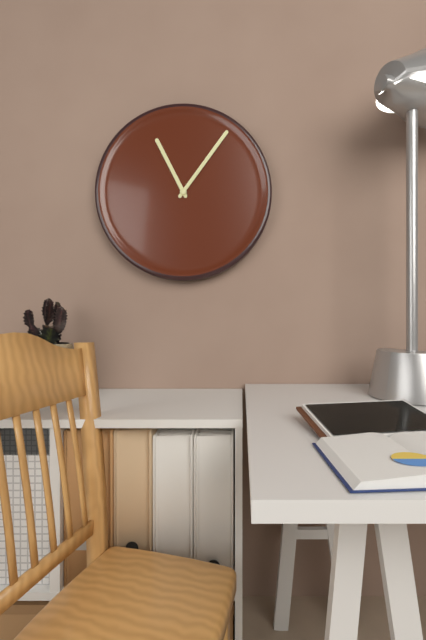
11:06
